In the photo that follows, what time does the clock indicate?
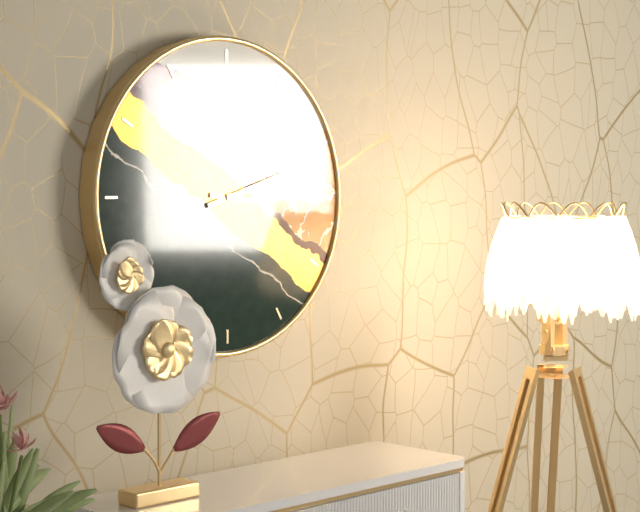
3:12
